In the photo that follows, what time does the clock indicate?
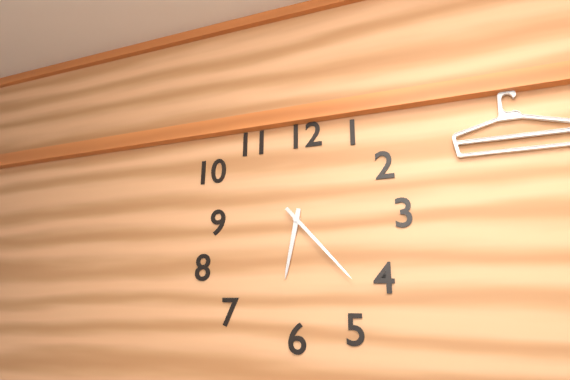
6:23
